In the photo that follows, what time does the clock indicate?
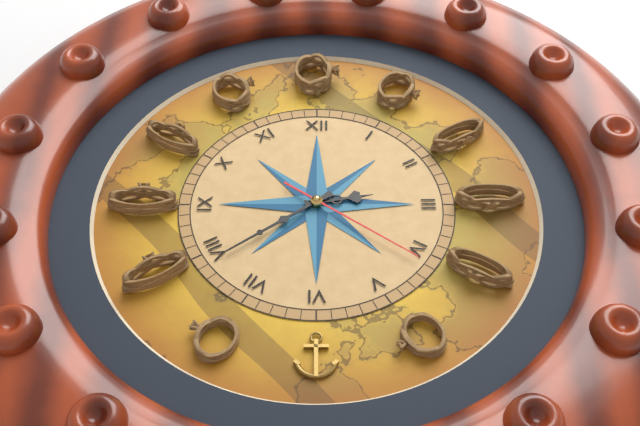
2:39:21
